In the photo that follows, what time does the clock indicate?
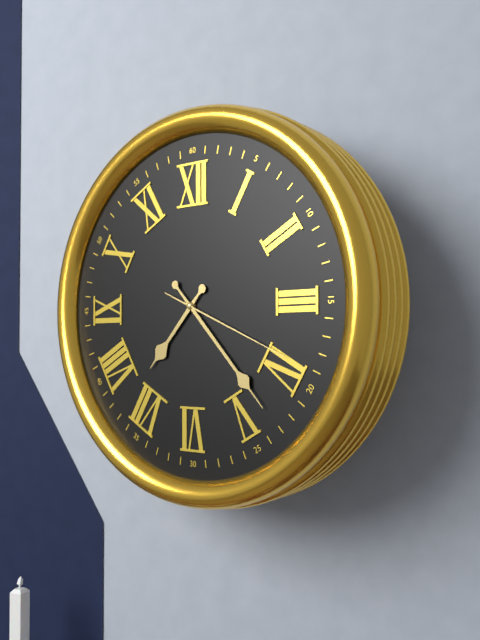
7:23:19
